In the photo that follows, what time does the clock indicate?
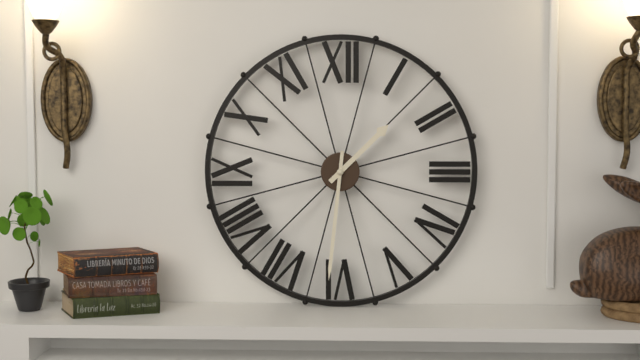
1:31
